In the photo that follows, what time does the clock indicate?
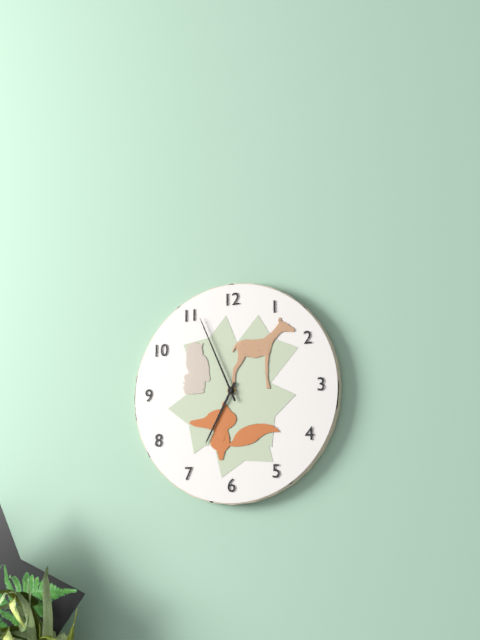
6:56
